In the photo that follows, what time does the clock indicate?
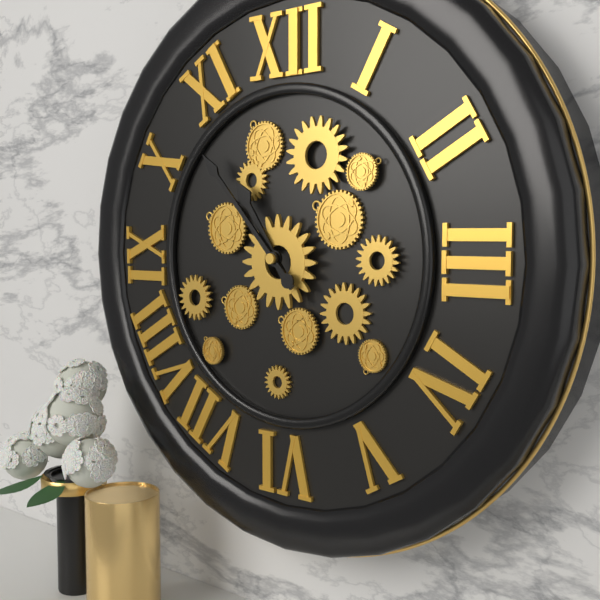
10:53
